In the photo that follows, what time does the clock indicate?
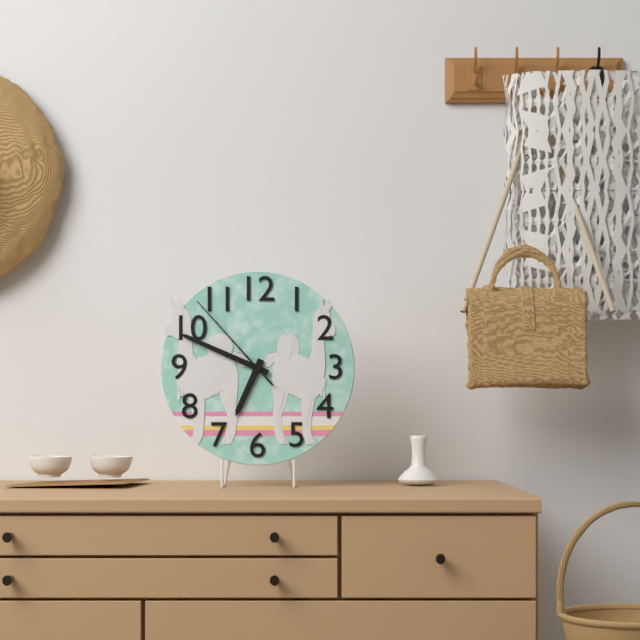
6:49:53
